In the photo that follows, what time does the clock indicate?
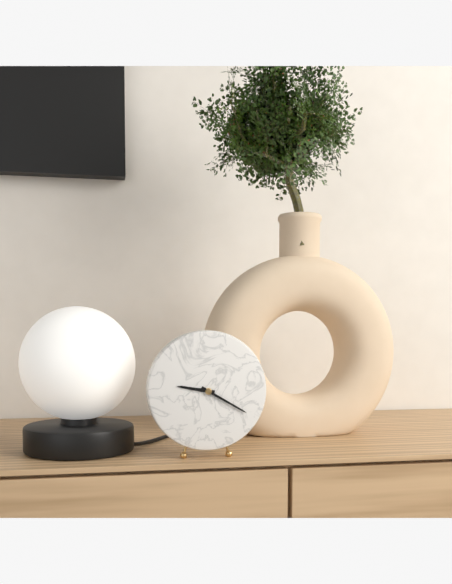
9:20
